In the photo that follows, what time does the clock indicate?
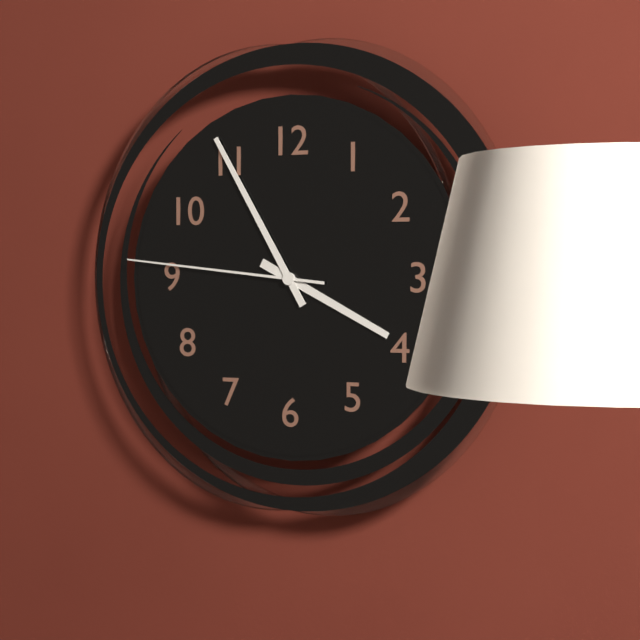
3:55:46
